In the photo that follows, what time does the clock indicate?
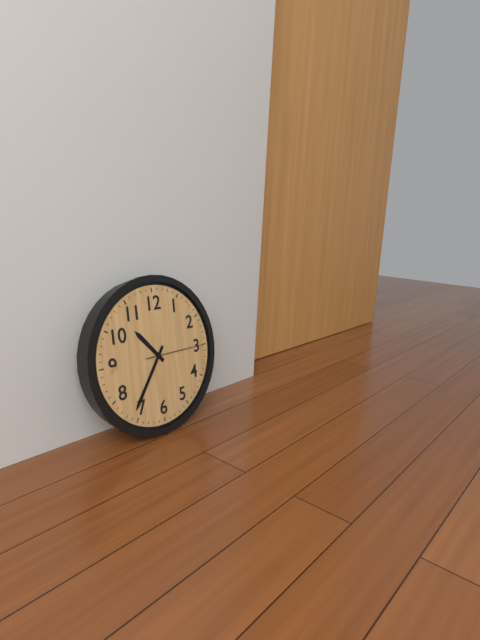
10:36:15
